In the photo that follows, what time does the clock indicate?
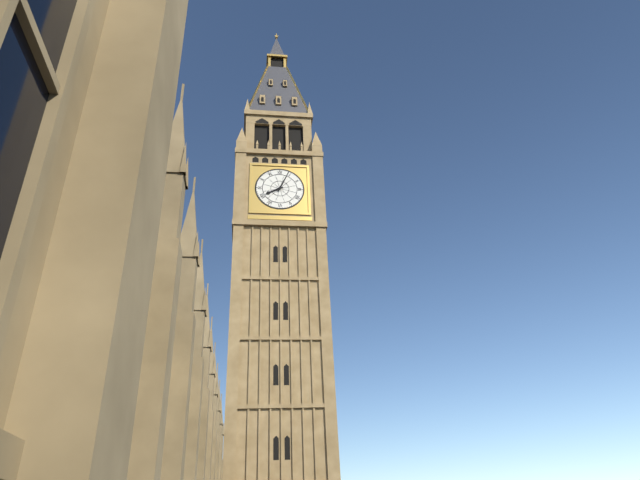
8:04
